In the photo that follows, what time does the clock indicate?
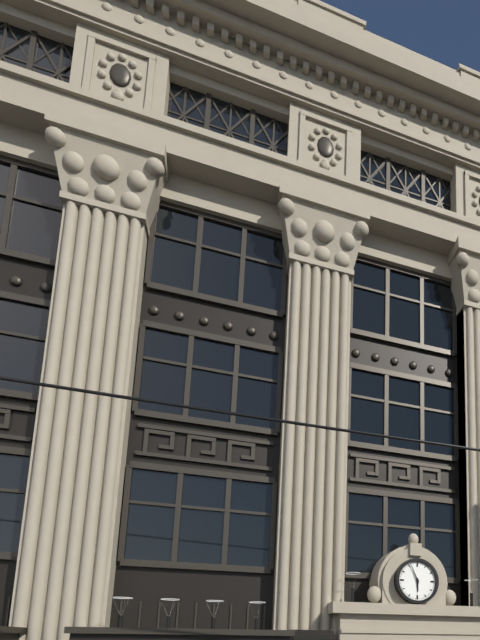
5:56
